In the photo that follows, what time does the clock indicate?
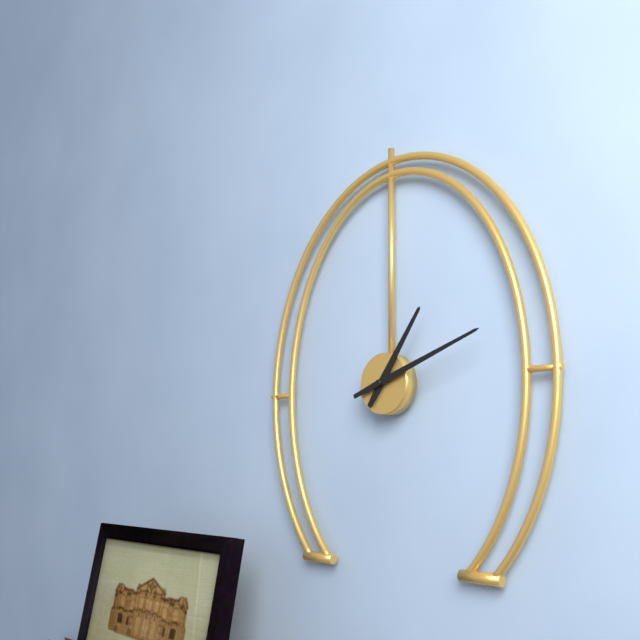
1:12
